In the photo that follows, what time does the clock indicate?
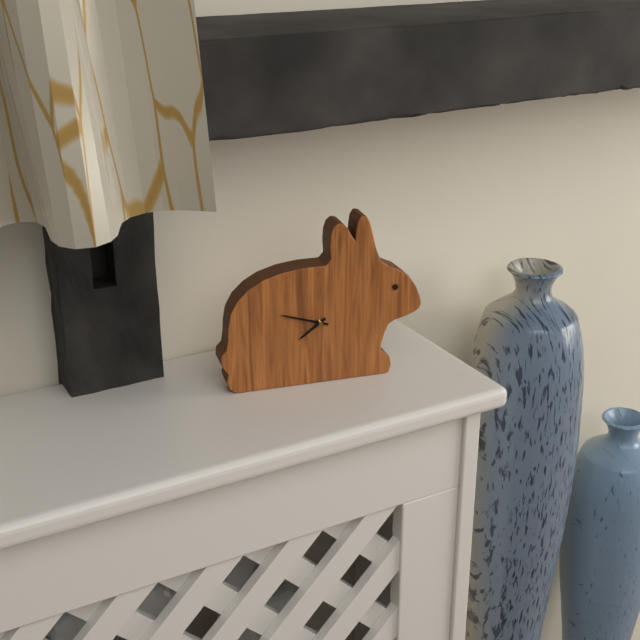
7:48
